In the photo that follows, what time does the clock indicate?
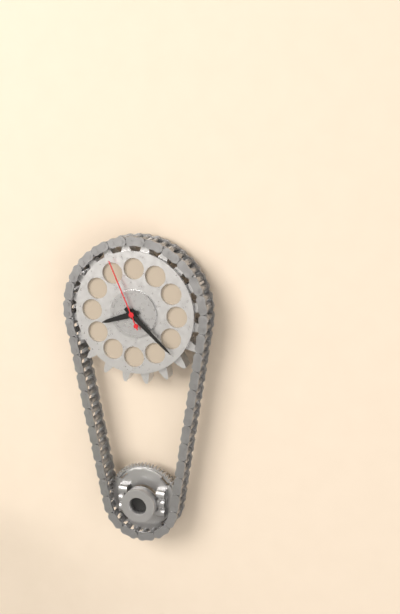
8:22:56
